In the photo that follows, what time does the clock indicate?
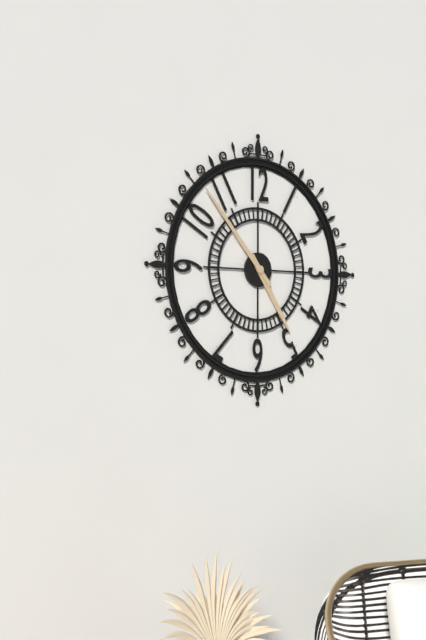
4:53
